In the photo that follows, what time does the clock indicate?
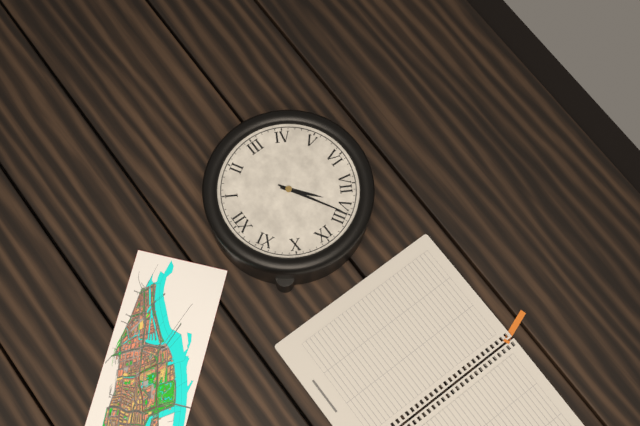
7:40
